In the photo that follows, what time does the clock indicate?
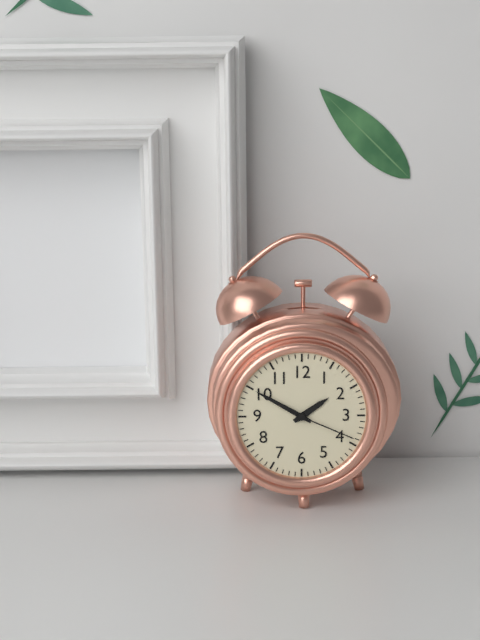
1:50:19
